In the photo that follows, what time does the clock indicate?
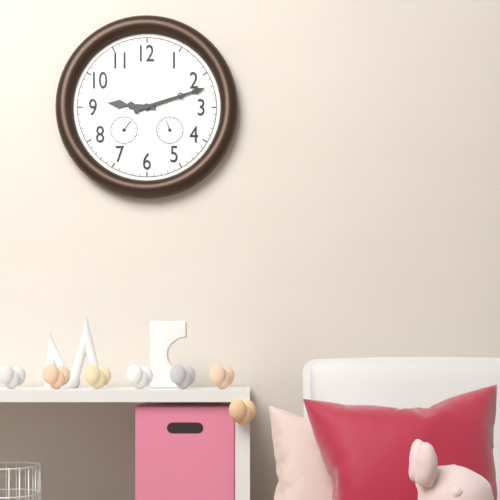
9:12
